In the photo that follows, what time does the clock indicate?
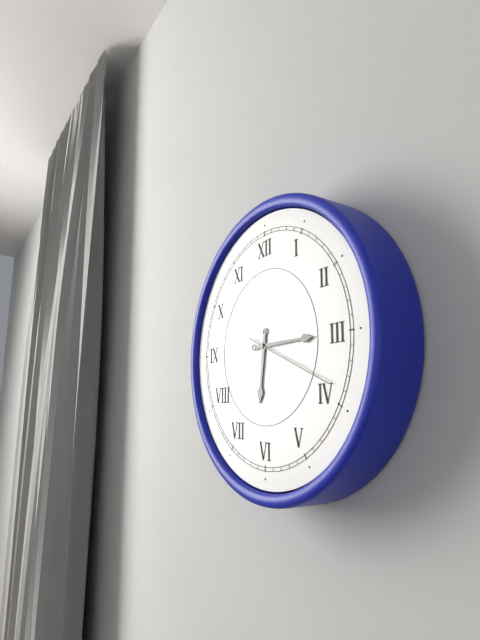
6:15:19
